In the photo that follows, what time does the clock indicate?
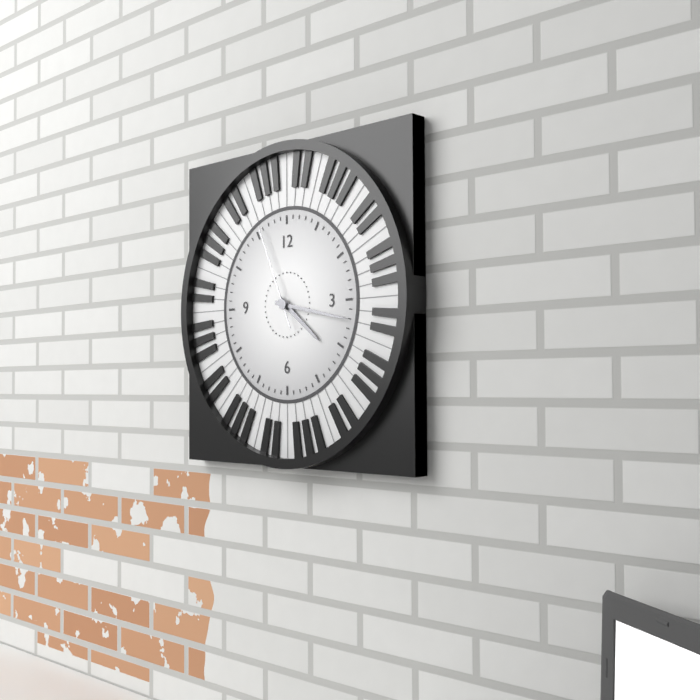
4:17:56
